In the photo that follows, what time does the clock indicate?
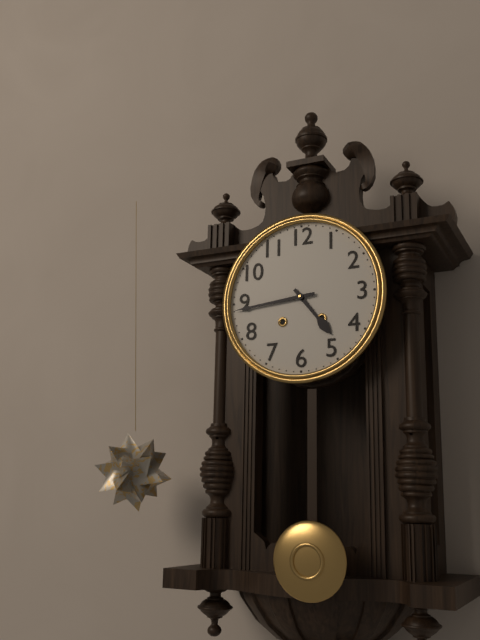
4:44
